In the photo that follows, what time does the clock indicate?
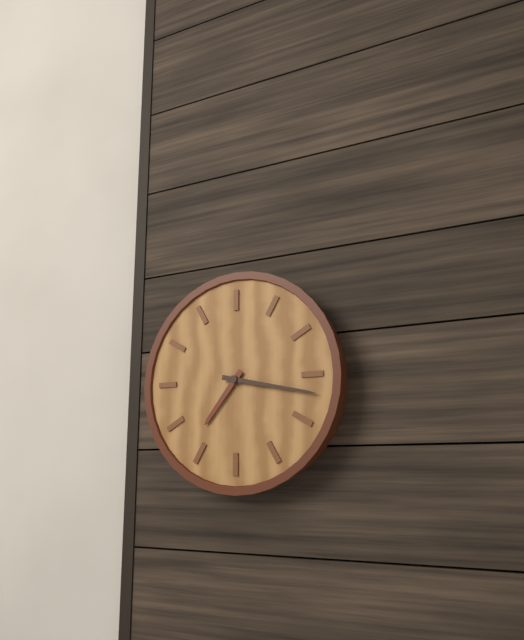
7:17
